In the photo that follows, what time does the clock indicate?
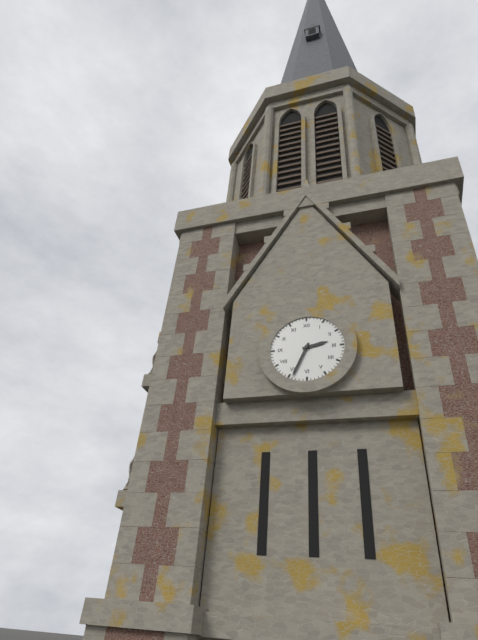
2:34
